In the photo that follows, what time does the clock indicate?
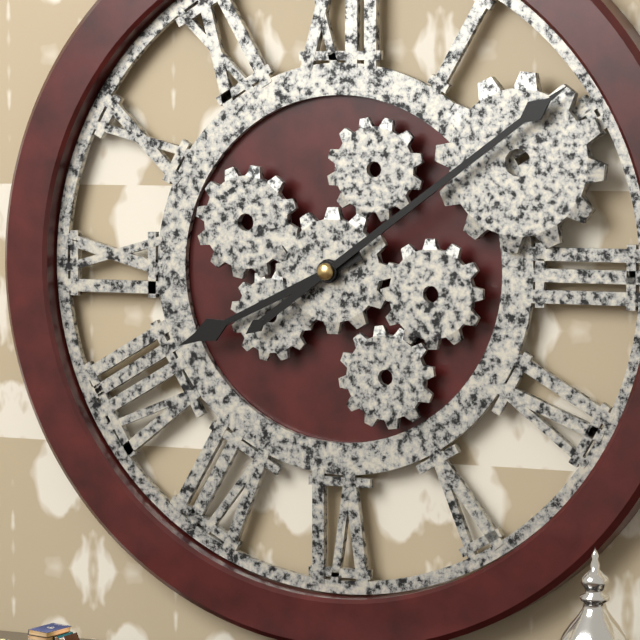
8:09
